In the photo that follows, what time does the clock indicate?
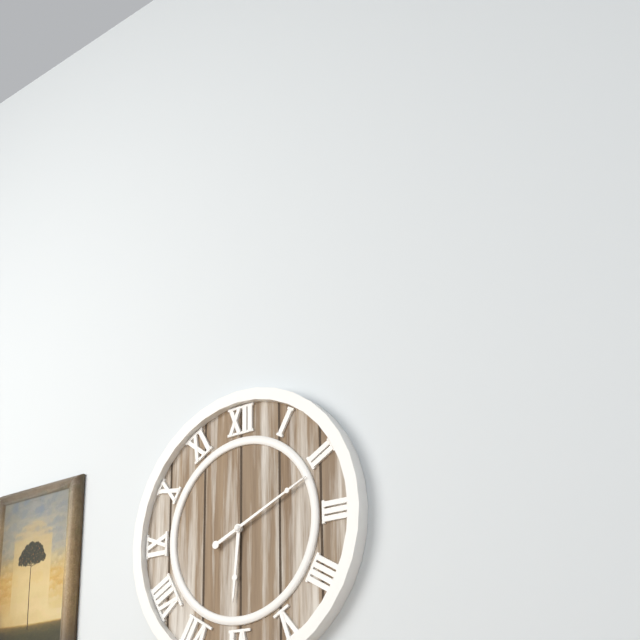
6:11
